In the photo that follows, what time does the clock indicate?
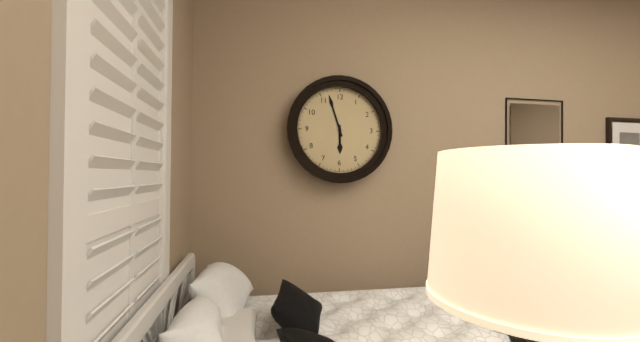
5:57
